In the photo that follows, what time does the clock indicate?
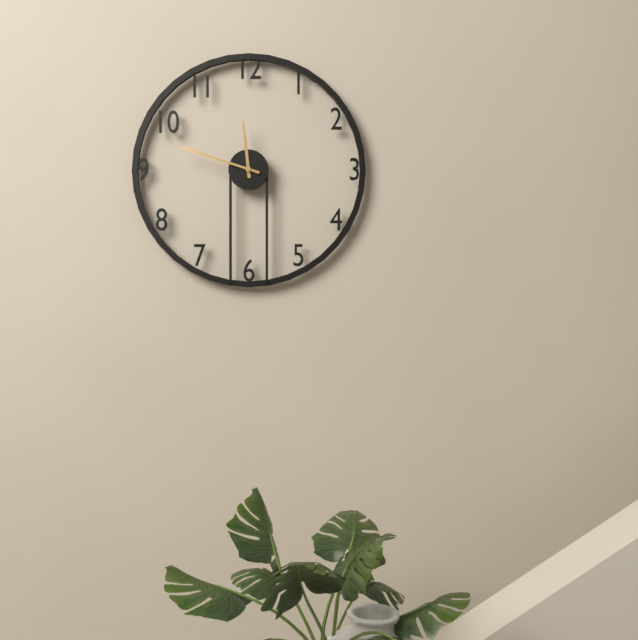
11:48
